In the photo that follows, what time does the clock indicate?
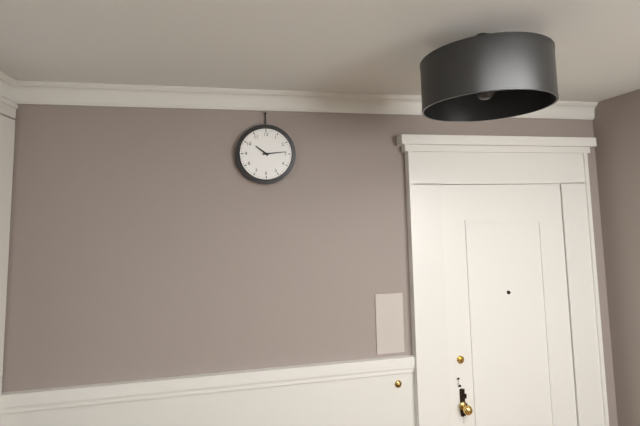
10:14
